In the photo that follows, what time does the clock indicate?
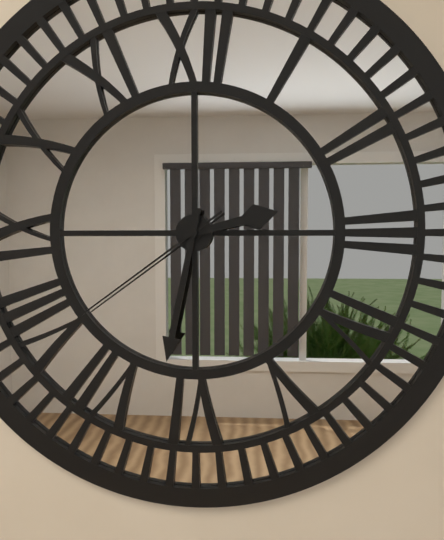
2:32:39
